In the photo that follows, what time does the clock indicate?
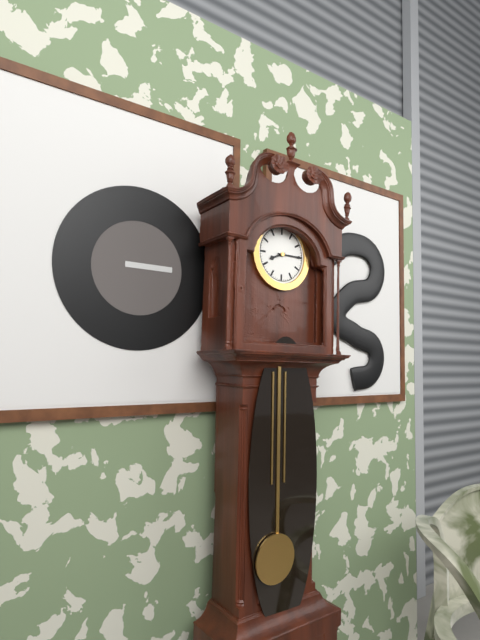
8:15
